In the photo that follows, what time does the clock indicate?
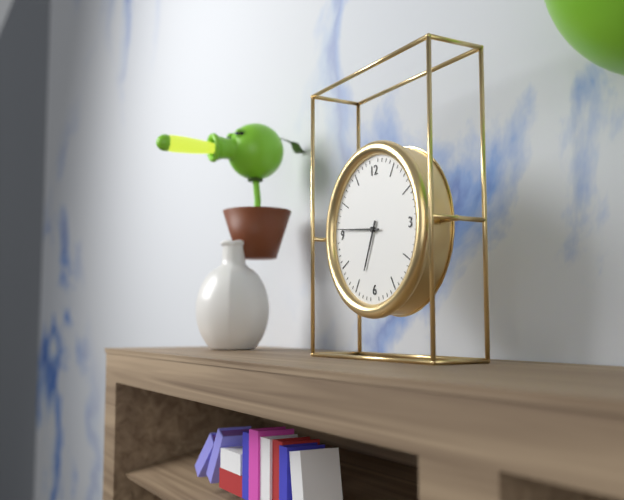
6:46
